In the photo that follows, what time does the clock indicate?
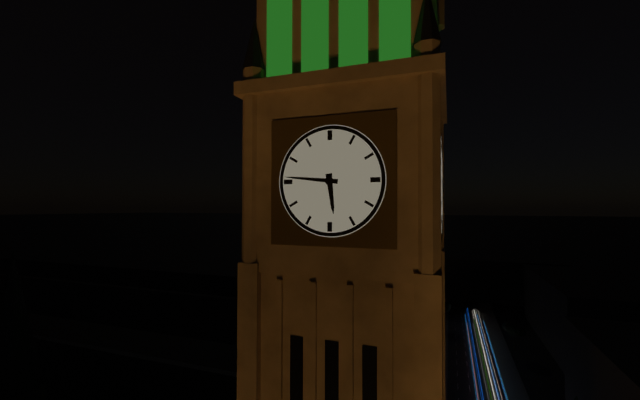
5:46
